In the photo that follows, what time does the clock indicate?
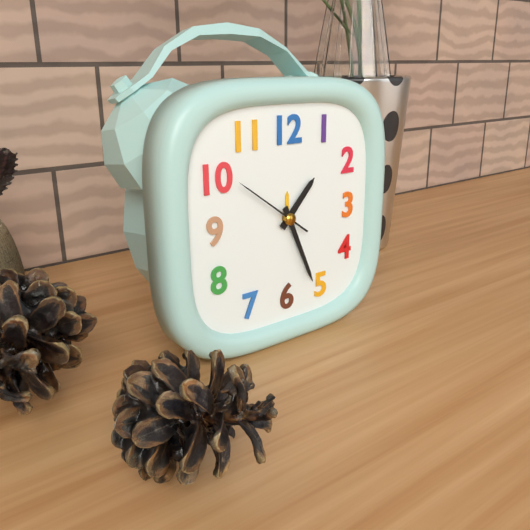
1:26:51
